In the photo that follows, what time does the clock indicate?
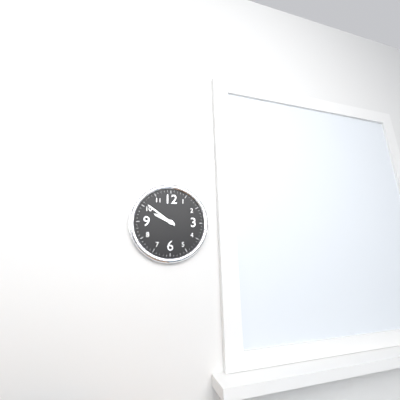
9:51
